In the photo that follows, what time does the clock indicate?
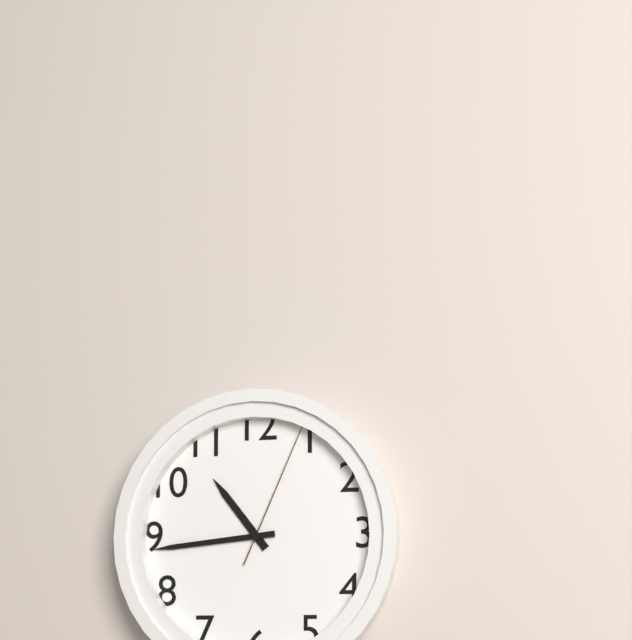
10:44:04
